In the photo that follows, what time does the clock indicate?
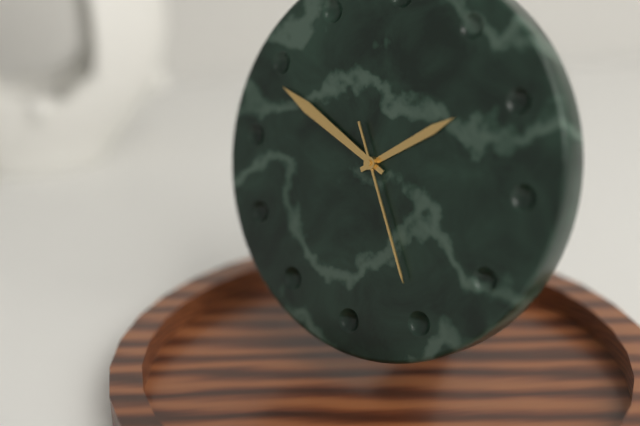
1:49:25
